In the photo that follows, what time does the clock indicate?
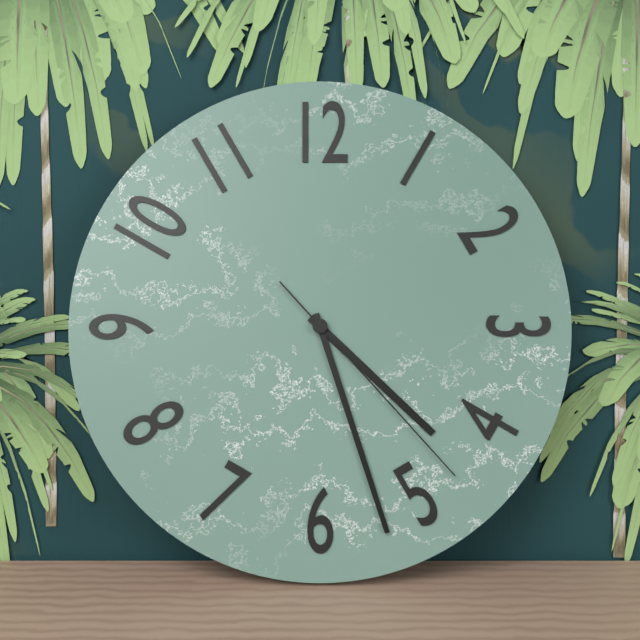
4:27:23
